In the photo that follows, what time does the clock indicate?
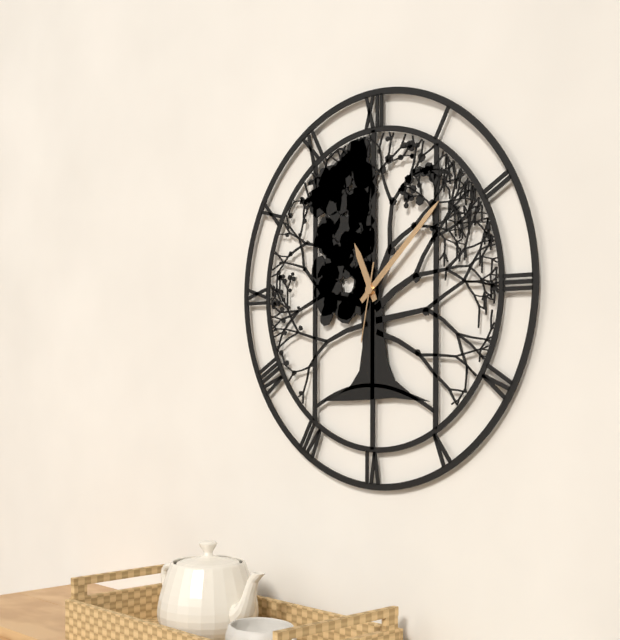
11:08:32
